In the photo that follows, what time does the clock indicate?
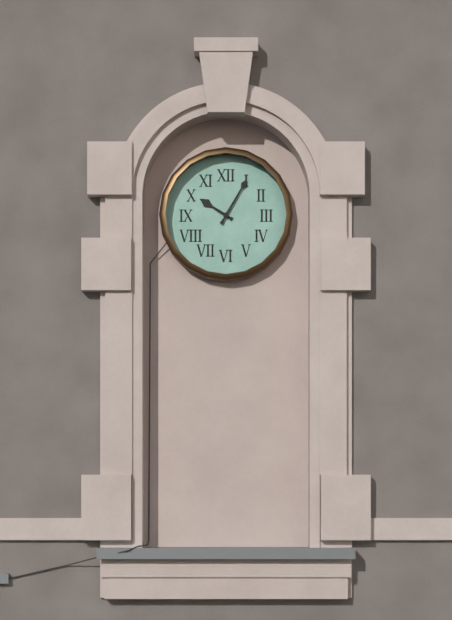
10:05
